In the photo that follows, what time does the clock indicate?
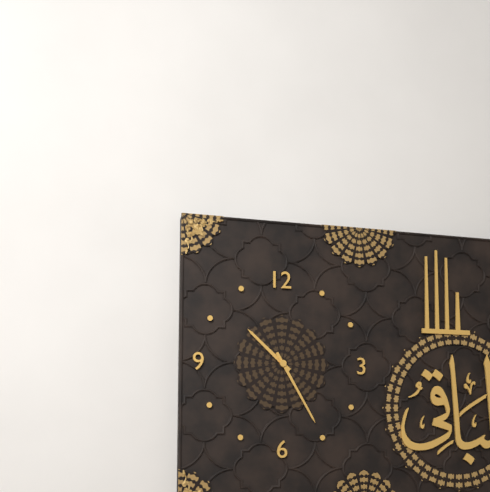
10:25
